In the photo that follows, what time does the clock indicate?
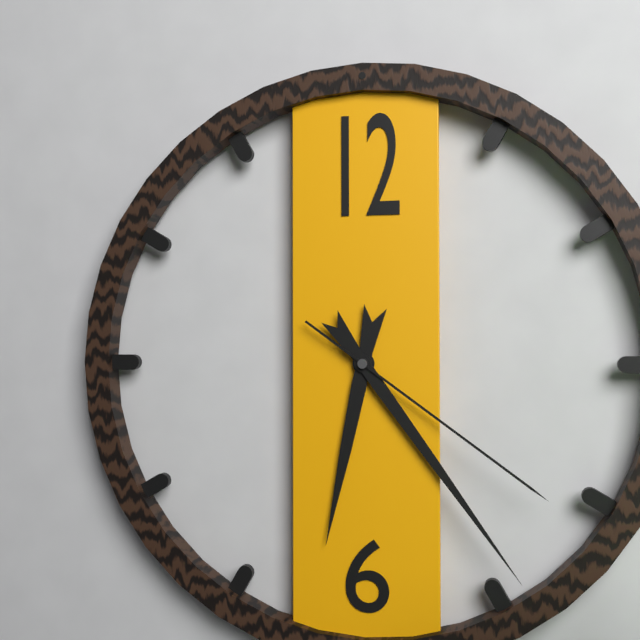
6:24:21
